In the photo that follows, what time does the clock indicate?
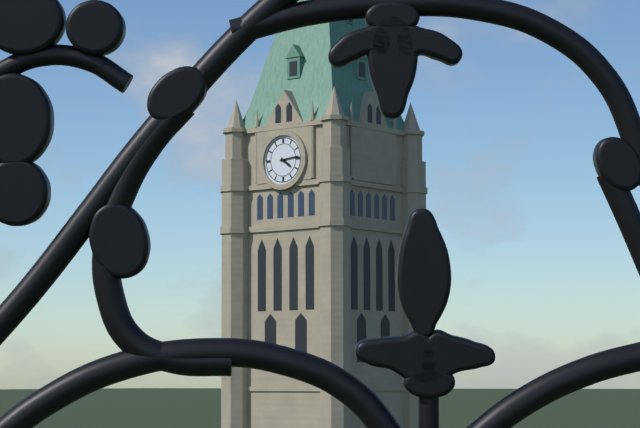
4:14
